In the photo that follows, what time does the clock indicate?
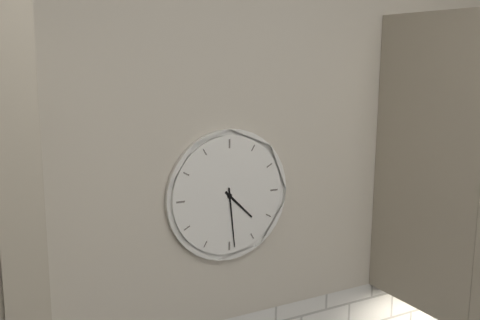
4:29
